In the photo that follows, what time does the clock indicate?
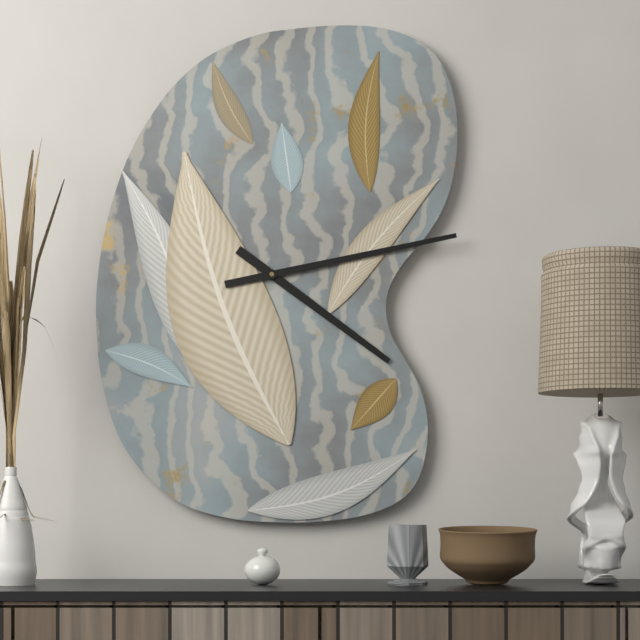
4:13
